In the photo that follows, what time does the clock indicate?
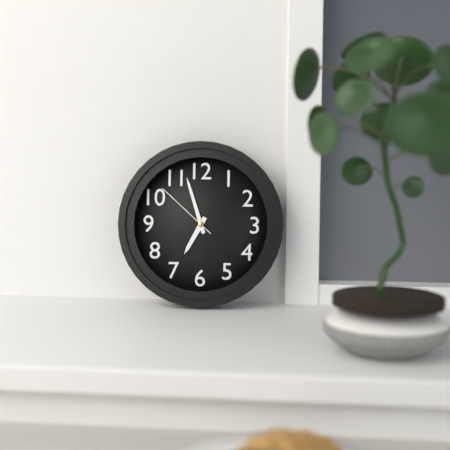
6:57:52
